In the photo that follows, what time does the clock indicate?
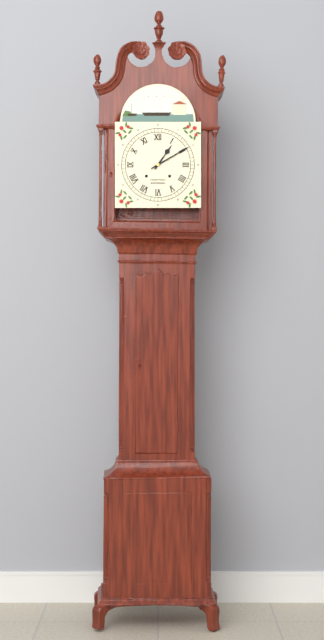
1:10
